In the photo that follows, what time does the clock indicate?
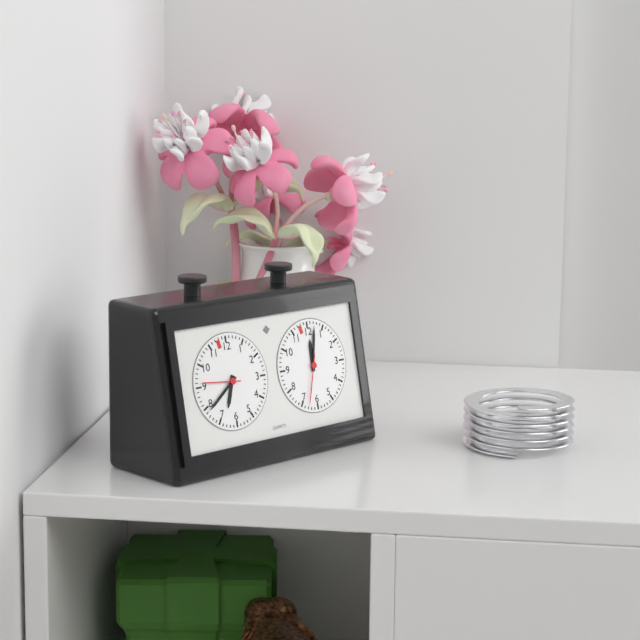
6:39
